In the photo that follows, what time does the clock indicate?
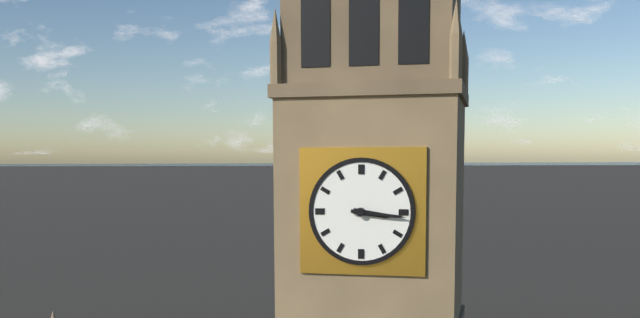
3:16
